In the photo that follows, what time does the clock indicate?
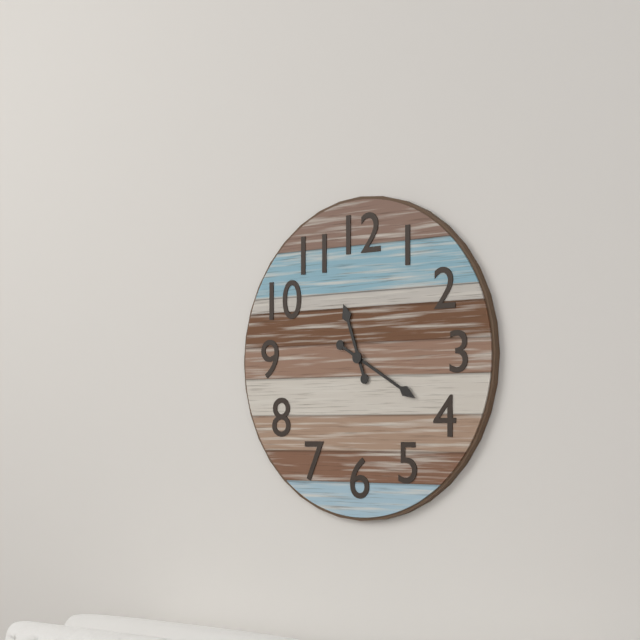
11:20
